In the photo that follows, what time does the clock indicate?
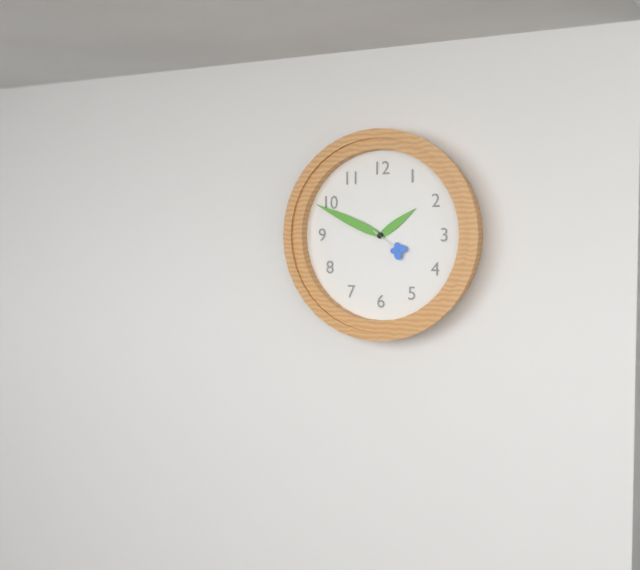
1:49
